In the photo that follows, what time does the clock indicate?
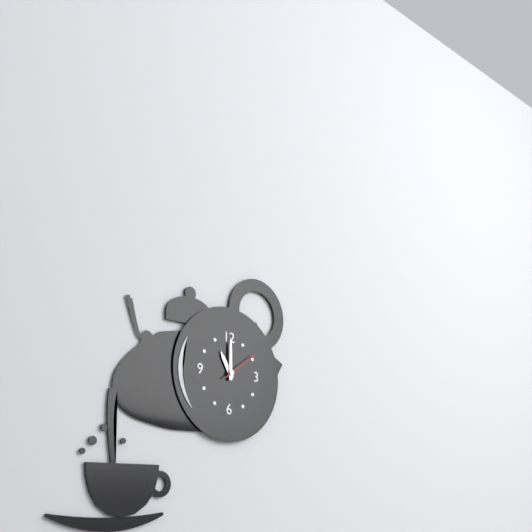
11:00
